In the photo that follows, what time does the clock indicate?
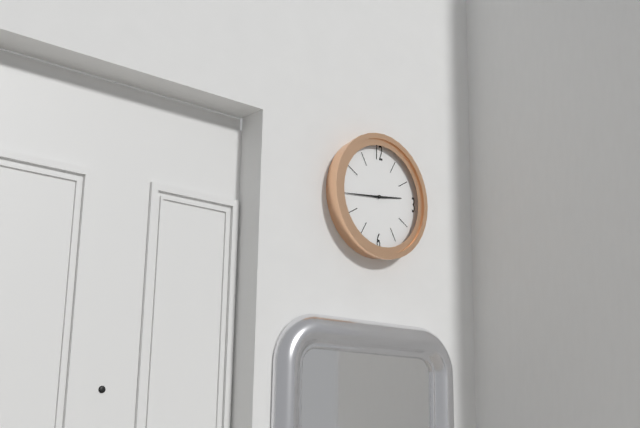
2:44
